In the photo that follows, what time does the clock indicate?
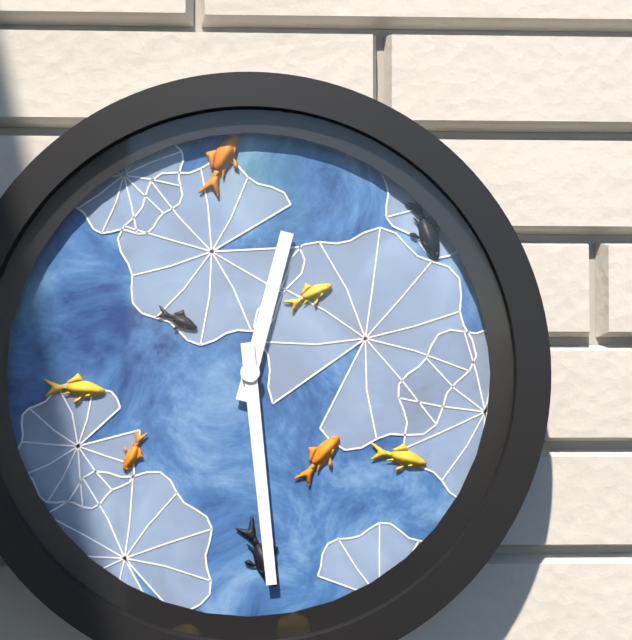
12:29
